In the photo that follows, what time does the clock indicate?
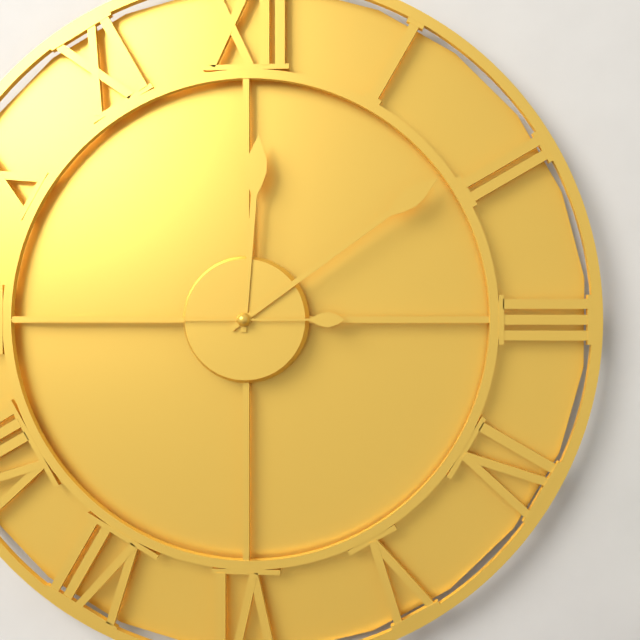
12:09:45
